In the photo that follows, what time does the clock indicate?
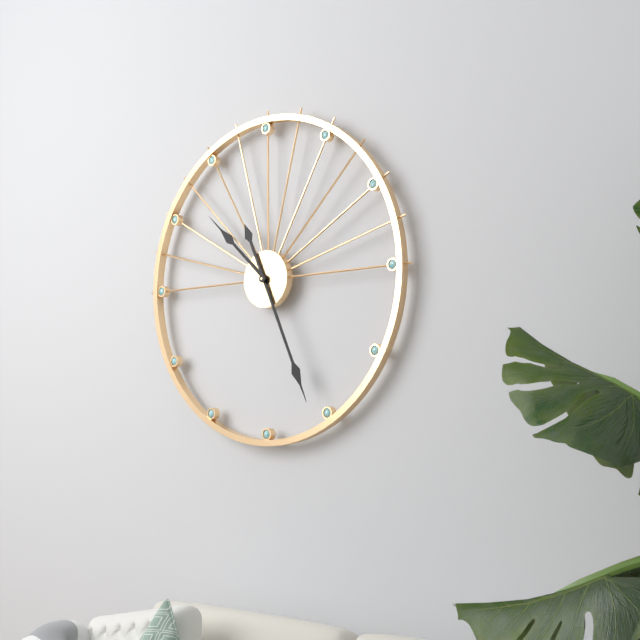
10:26
